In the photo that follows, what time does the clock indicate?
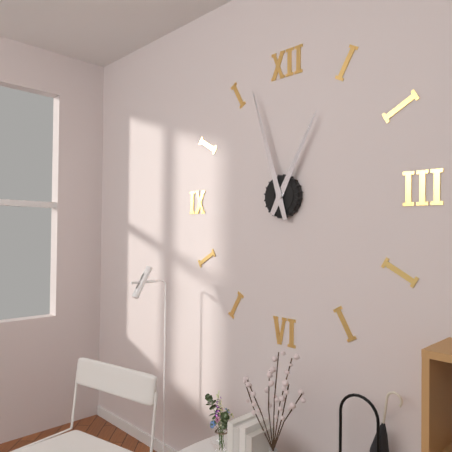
12:57
